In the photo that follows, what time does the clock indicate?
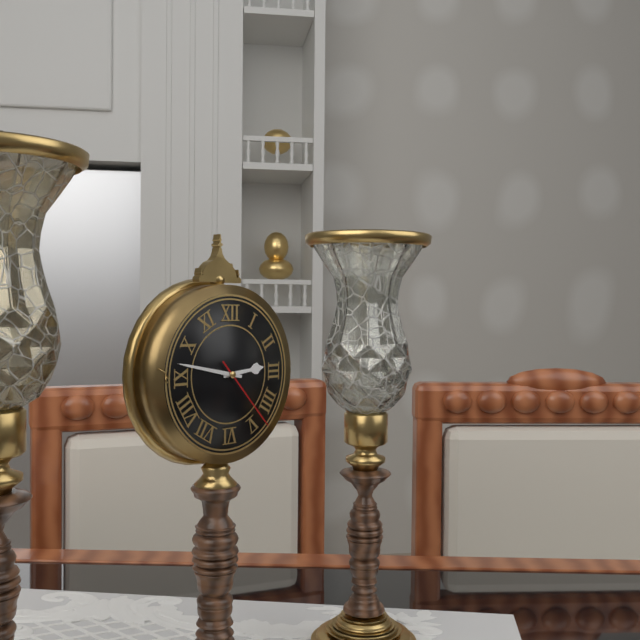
2:47:23
